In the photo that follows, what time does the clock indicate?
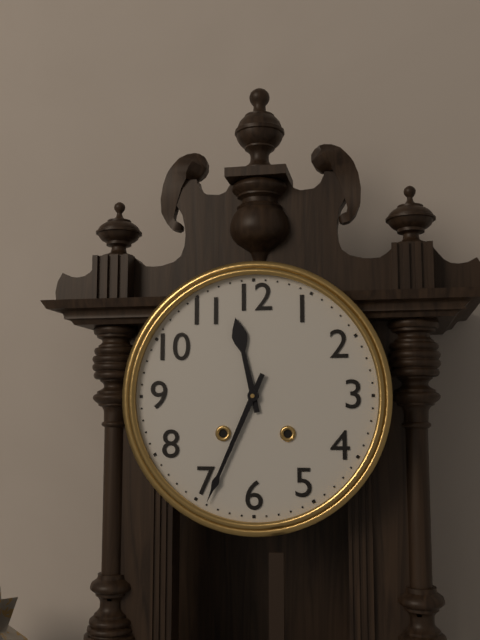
11:34
